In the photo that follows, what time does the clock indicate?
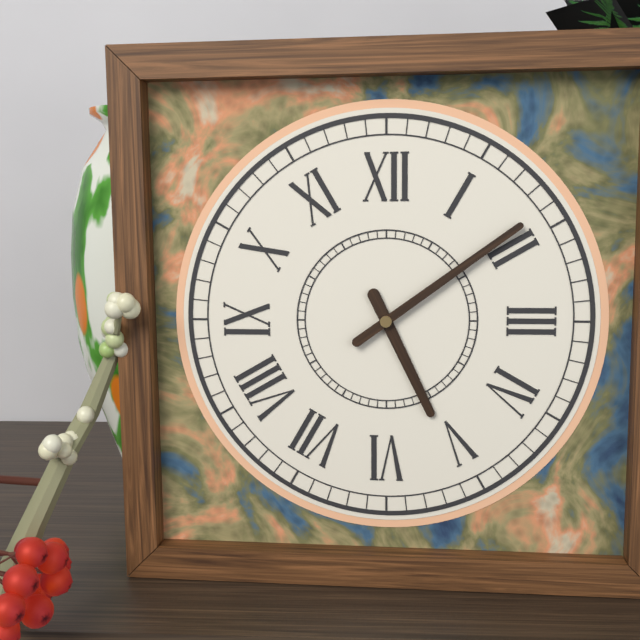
5:09
